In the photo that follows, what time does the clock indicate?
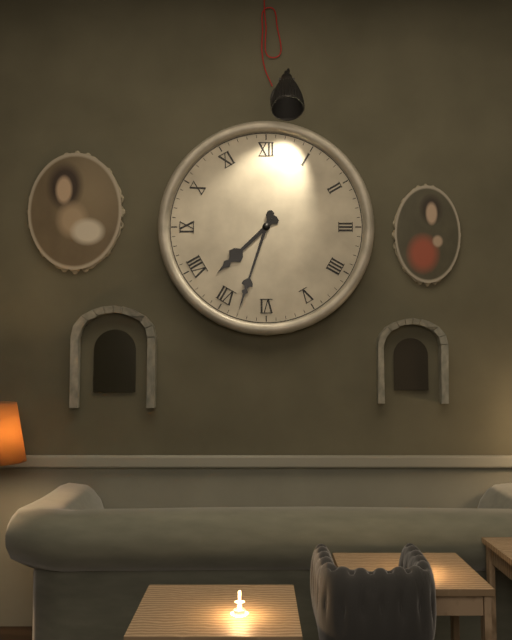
7:33
